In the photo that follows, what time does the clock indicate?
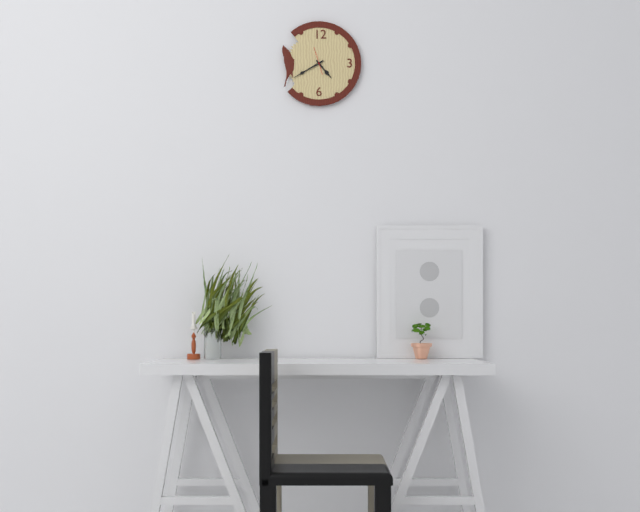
4:40
